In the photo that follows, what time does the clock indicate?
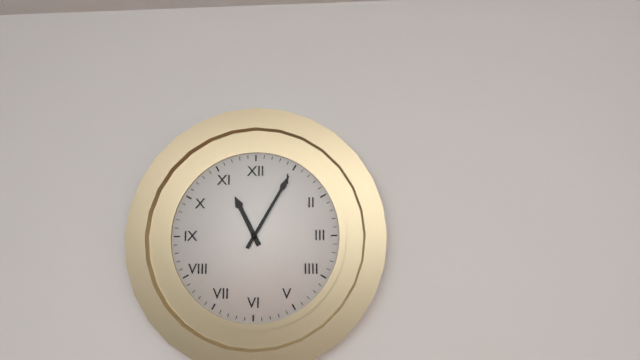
11:05
